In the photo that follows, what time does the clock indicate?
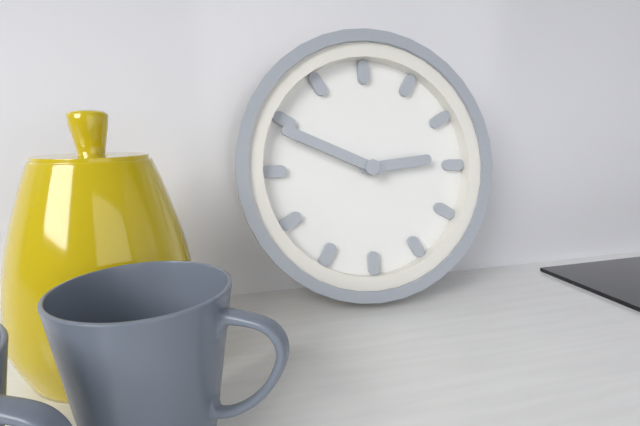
2:49
